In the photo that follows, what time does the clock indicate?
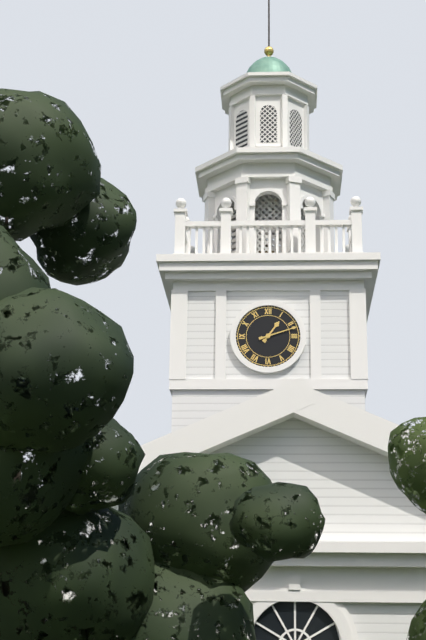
1:12
